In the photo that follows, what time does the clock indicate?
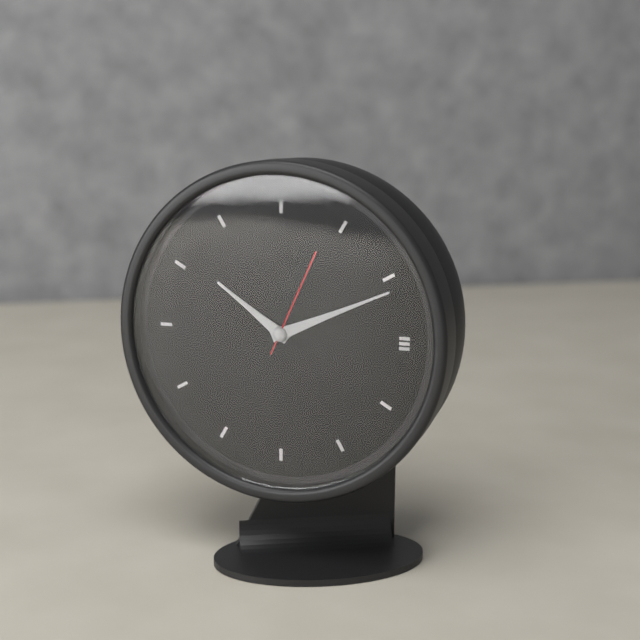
10:11:04
